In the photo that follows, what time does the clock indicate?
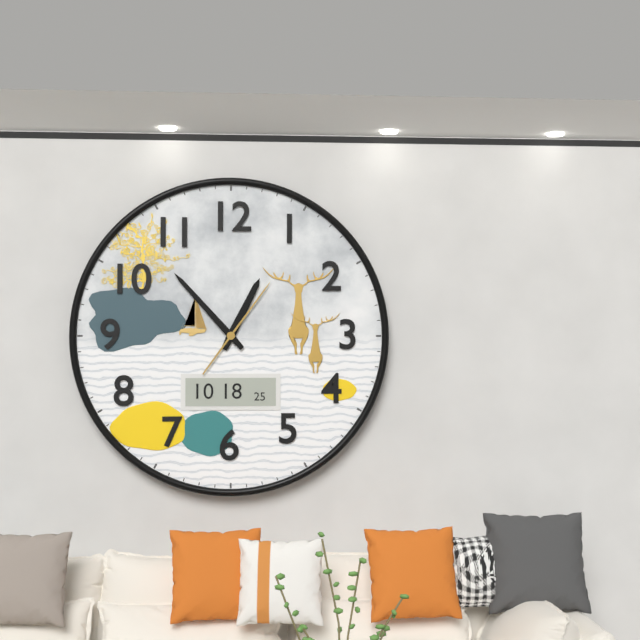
12:53:06
